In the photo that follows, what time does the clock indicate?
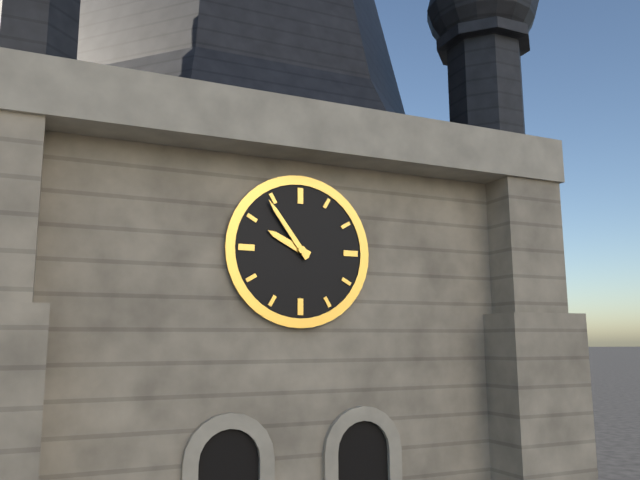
9:54
